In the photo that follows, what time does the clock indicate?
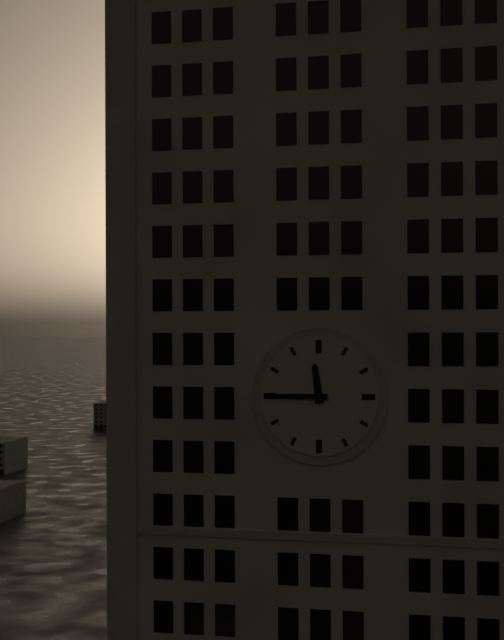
11:45
